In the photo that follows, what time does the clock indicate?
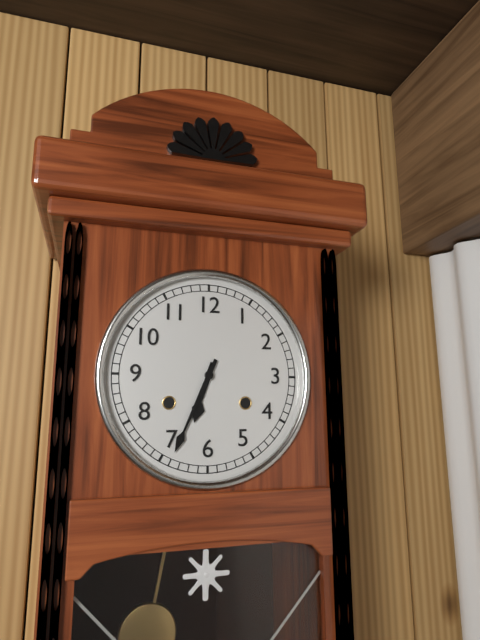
6:34
